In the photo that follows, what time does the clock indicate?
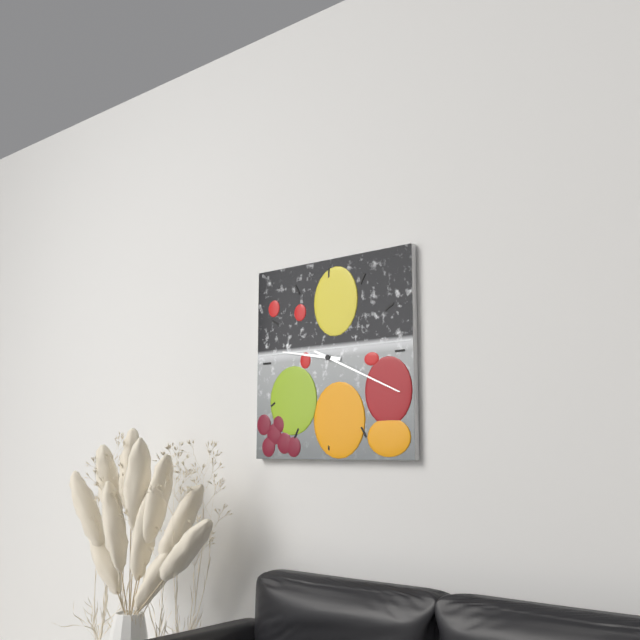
9:19
